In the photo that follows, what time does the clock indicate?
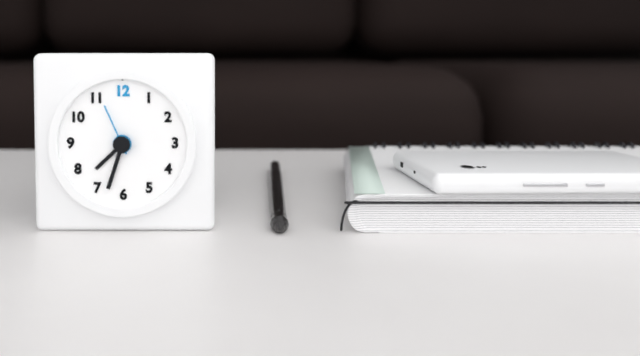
7:33:56
